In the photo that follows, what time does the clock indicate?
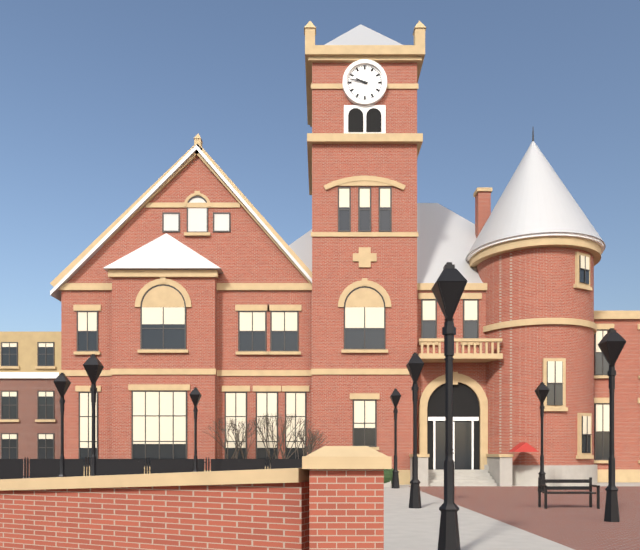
9:47
